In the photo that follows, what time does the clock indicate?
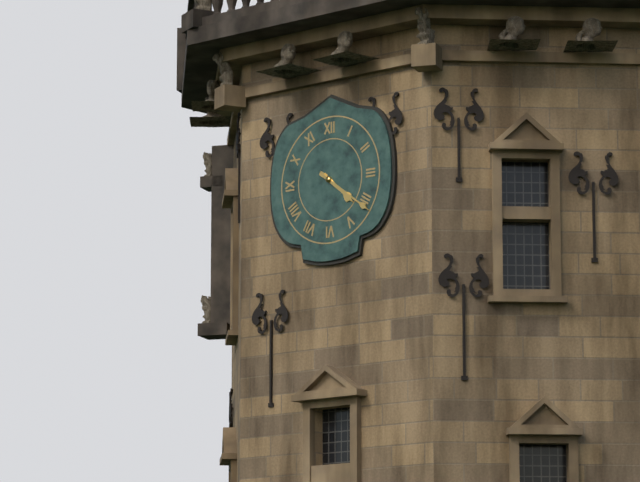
4:21
